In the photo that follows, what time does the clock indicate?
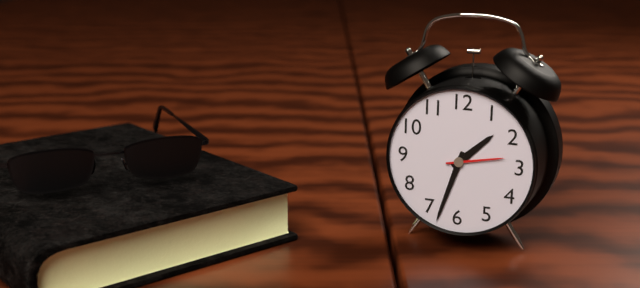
1:33:13
